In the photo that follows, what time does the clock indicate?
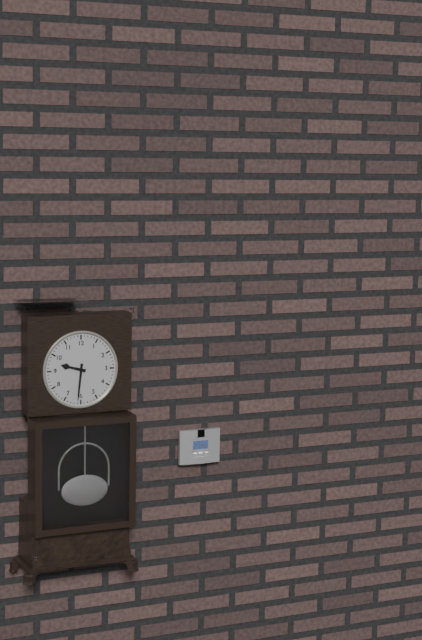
9:31
